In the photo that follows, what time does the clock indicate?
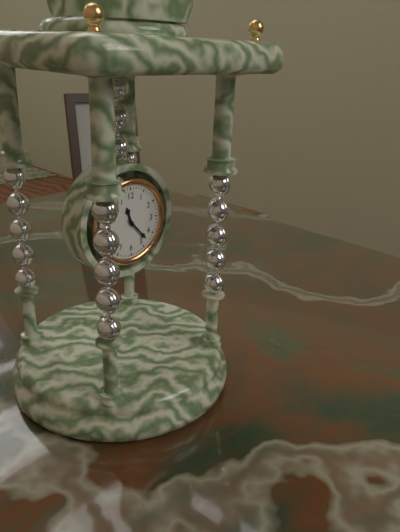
11:23
